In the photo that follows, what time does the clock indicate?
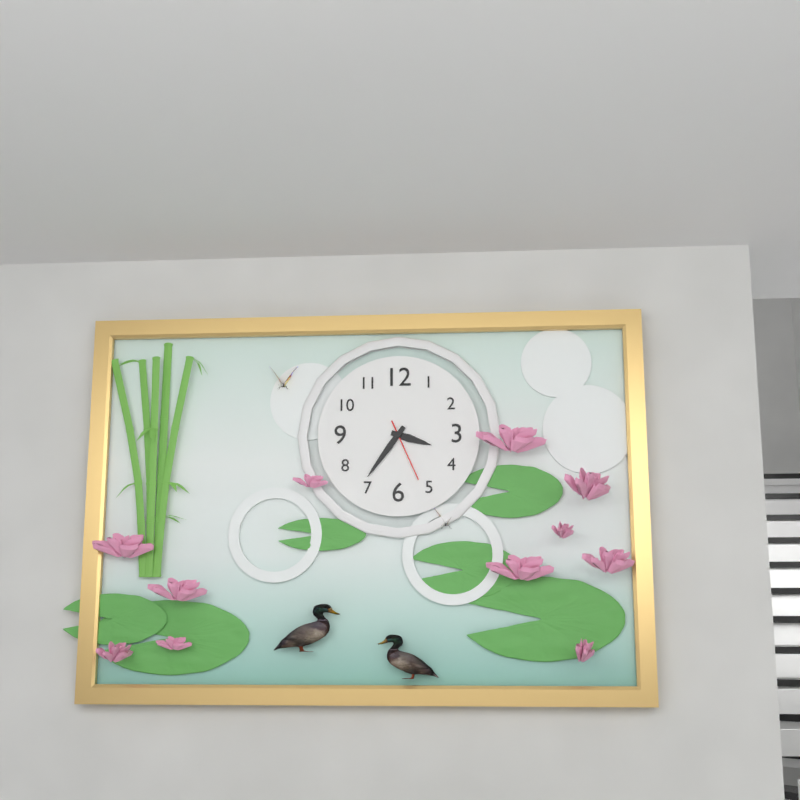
3:36:26
